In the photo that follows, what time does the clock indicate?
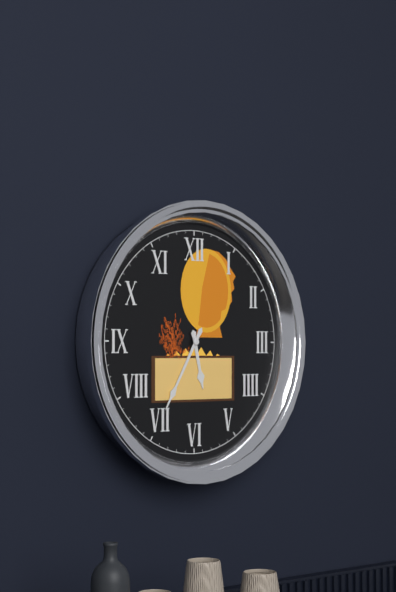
5:35
